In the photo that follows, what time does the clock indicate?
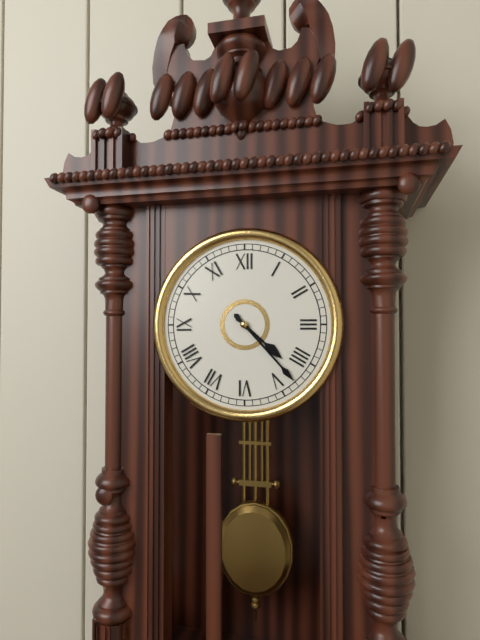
4:23
